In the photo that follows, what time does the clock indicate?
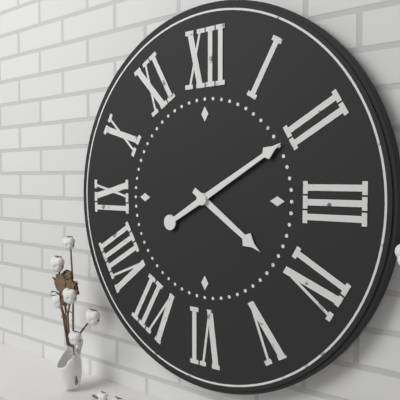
4:10
